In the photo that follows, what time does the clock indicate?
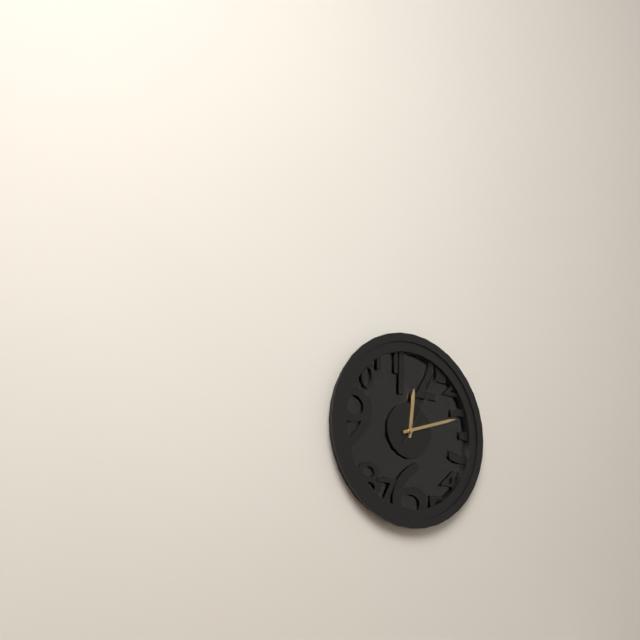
12:12:05
